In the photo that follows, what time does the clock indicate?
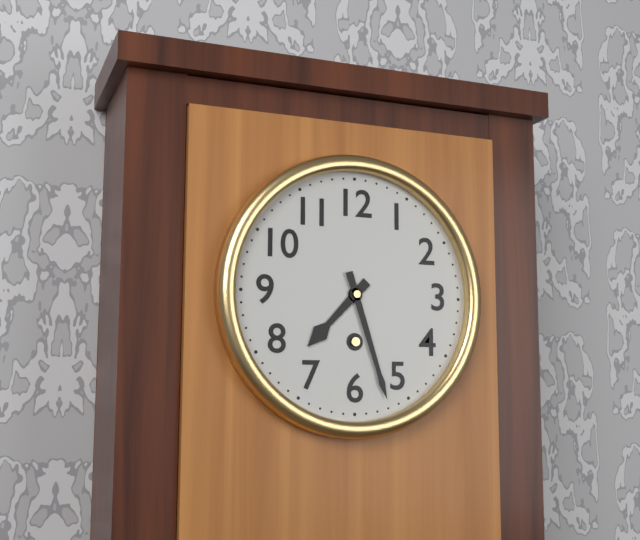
7:27
